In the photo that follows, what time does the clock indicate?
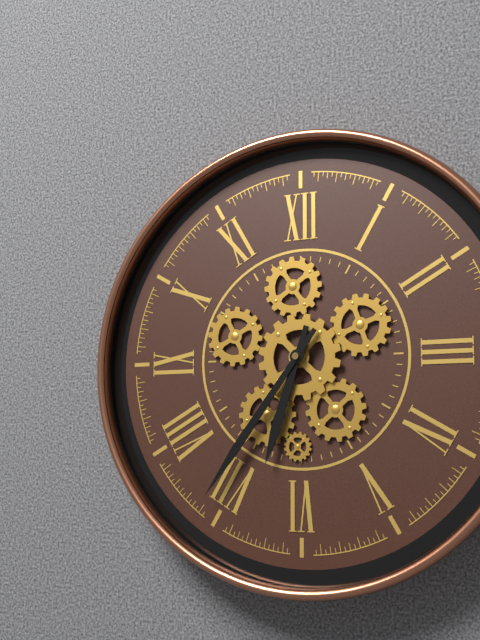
6:36
